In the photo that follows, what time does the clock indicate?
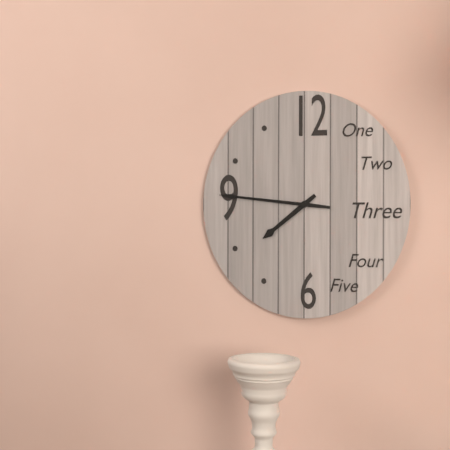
7:46
